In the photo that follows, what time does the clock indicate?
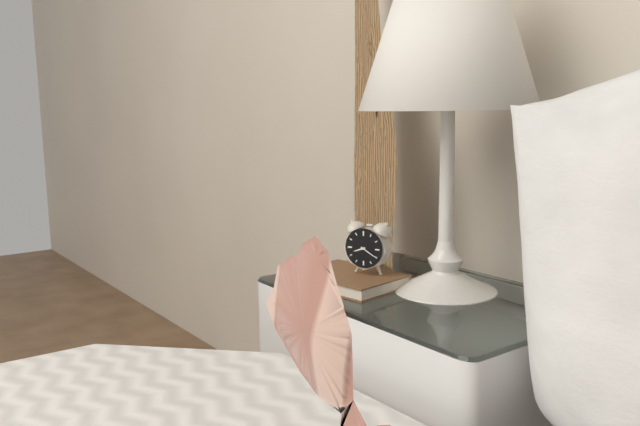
8:20
